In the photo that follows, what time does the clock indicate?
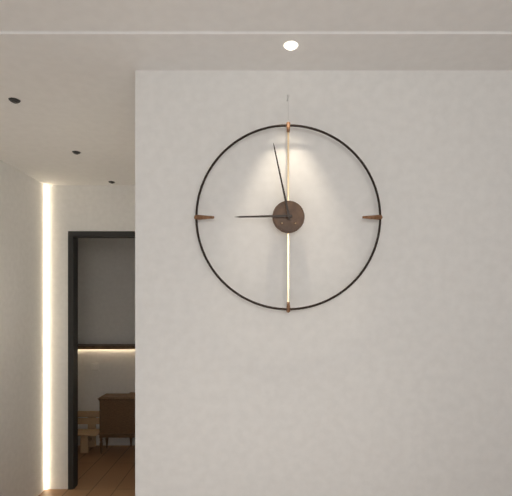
8:58
